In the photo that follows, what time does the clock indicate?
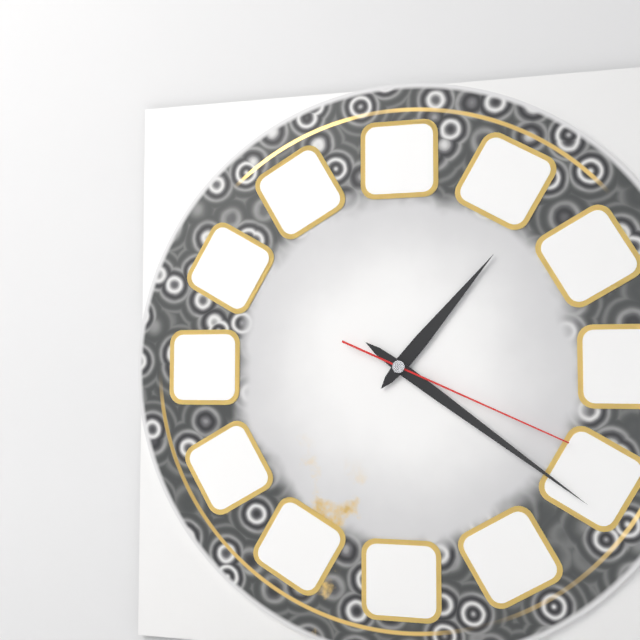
1:21:19
